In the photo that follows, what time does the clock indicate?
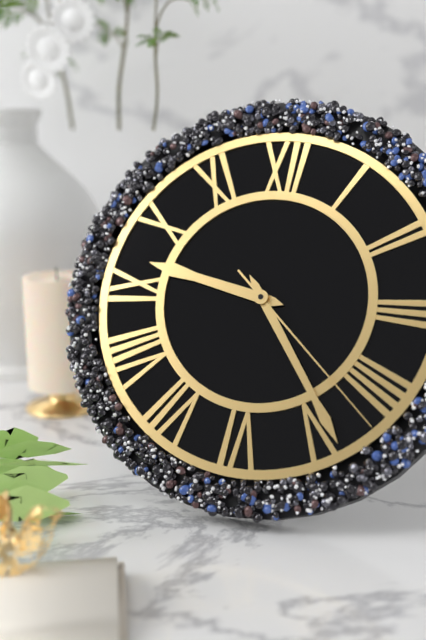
9:24:22
